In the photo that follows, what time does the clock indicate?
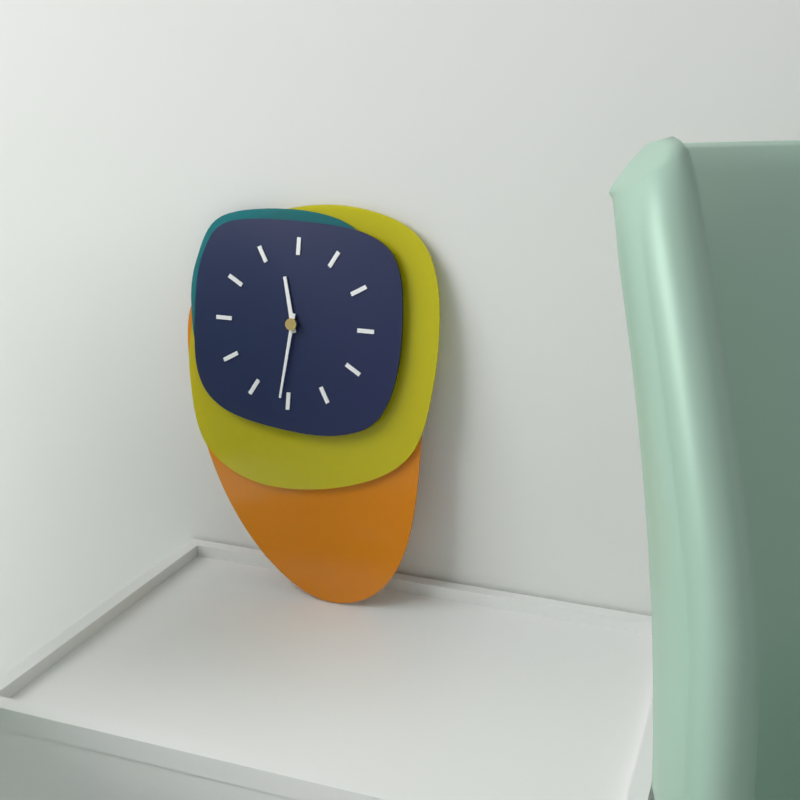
11:31
